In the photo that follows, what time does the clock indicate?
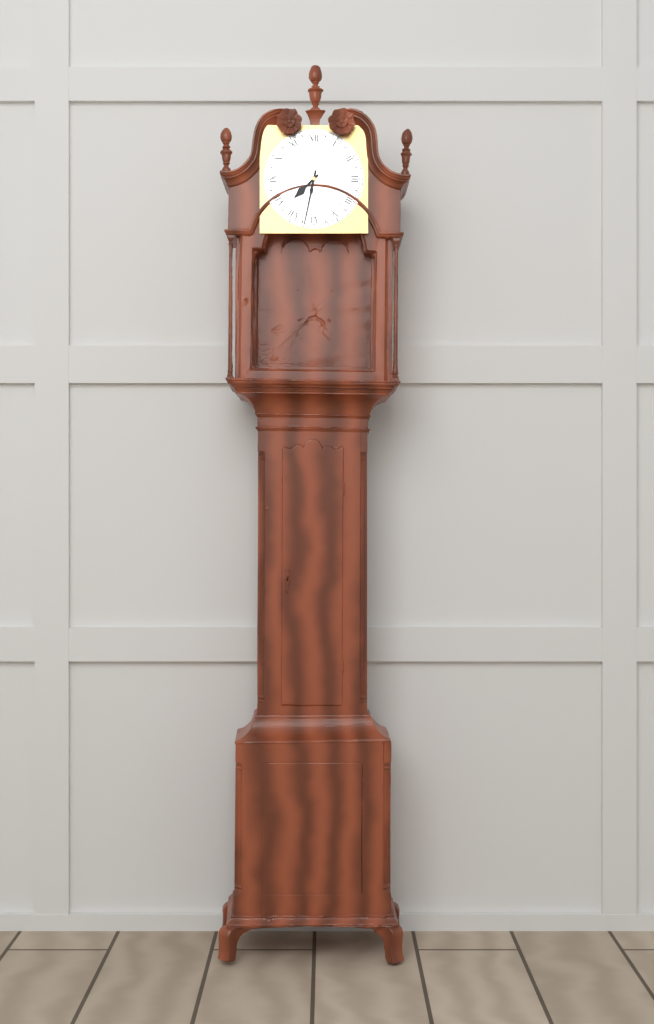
7:32
